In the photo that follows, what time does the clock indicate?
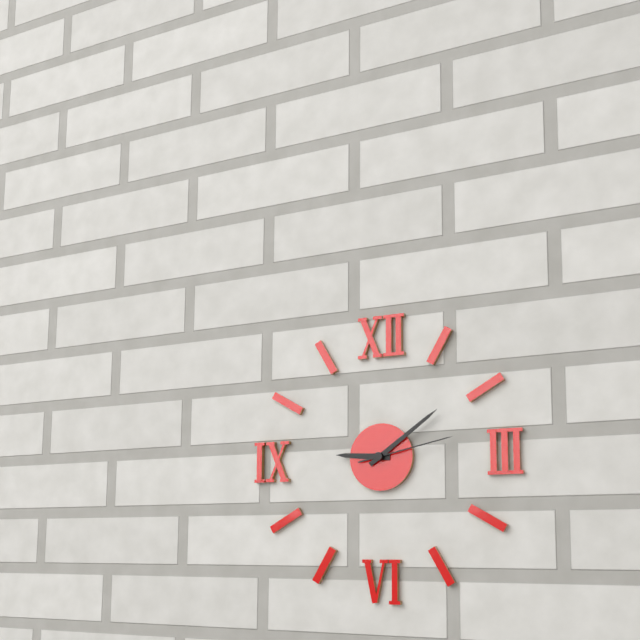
9:09:13
